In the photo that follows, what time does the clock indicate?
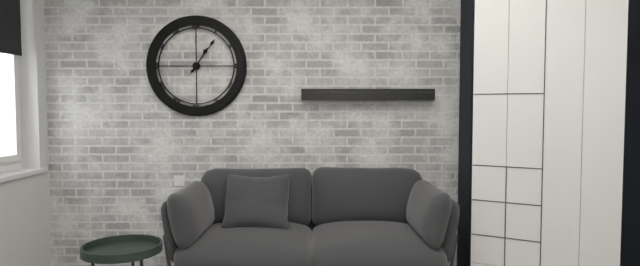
1:06
